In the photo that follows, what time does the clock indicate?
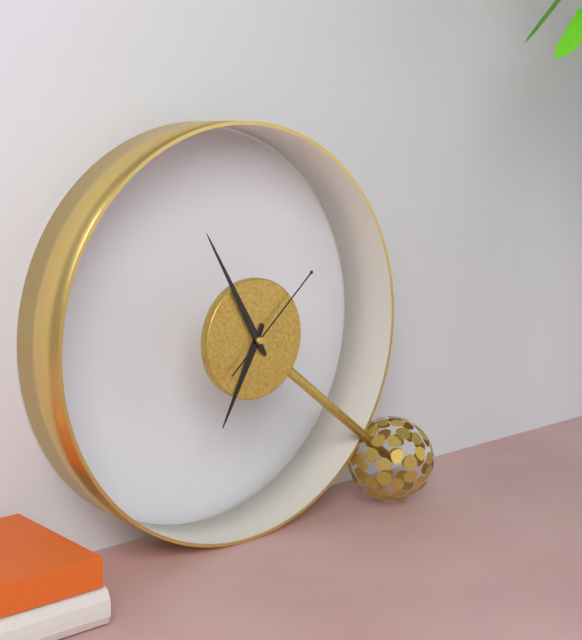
6:55:08
